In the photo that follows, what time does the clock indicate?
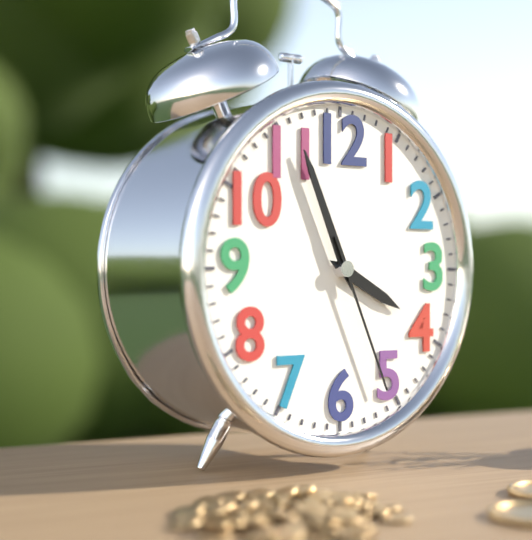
3:56:26
